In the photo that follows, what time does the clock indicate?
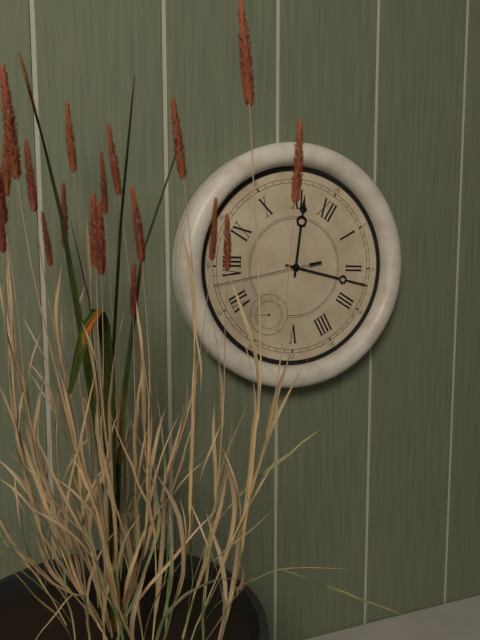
11:12:38
